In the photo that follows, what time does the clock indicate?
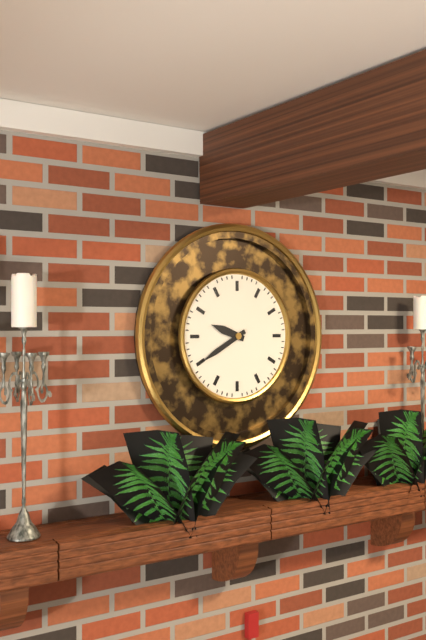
9:40
